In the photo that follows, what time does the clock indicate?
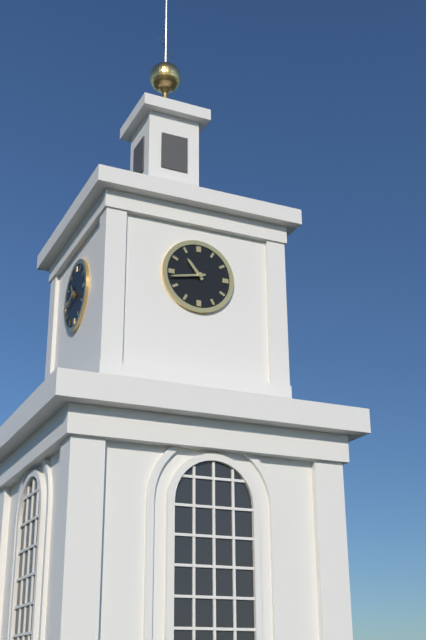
10:43
